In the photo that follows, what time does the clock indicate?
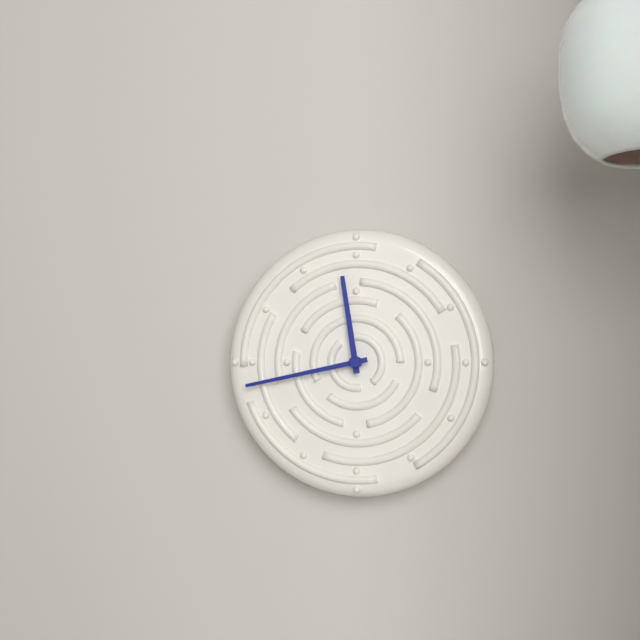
11:43
